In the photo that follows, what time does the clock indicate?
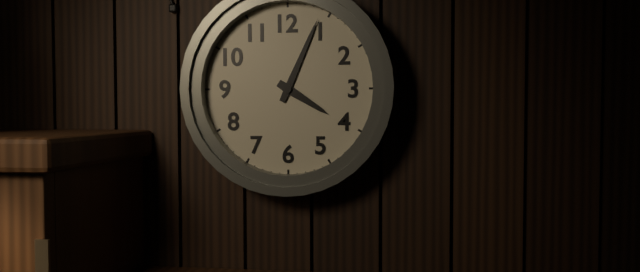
4:04
